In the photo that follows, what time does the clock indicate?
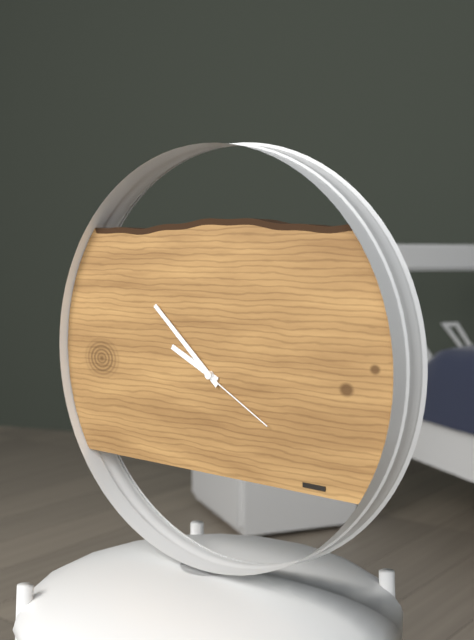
9:52:20
